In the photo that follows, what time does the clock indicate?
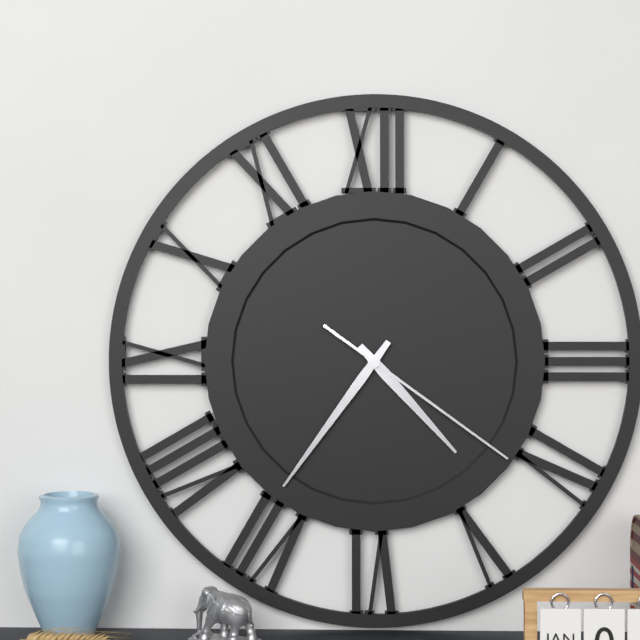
4:36:21
